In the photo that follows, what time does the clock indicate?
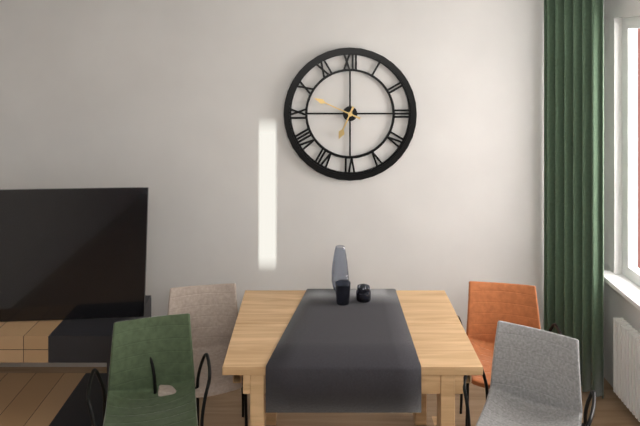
6:49
